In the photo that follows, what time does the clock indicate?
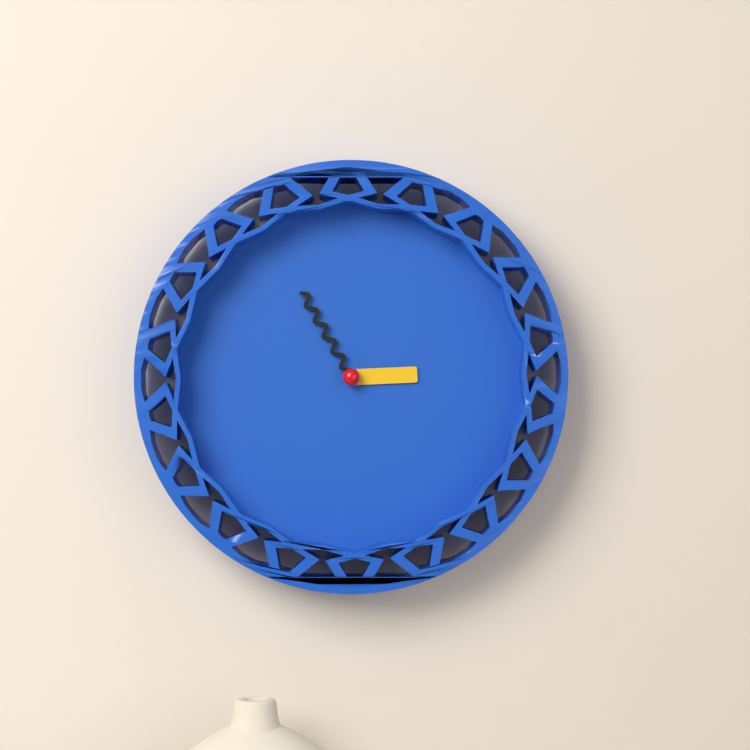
2:55
